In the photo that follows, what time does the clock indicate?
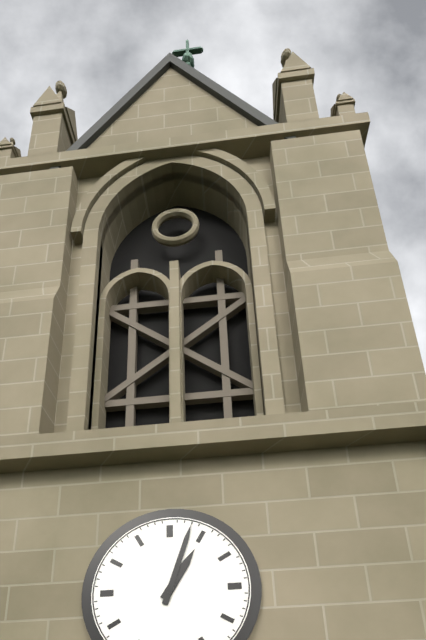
1:03
